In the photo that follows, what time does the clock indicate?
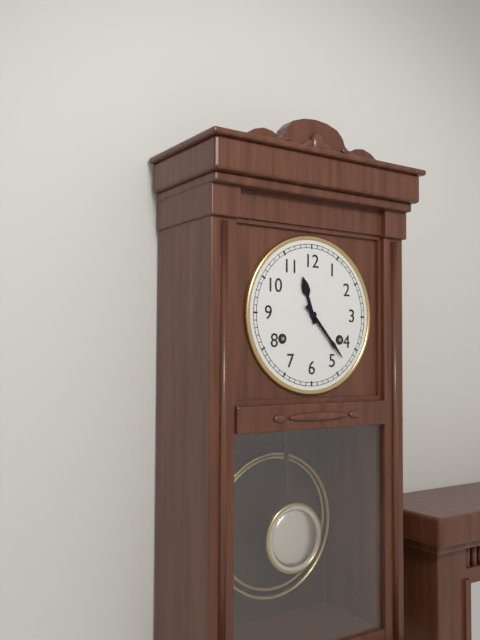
11:23
